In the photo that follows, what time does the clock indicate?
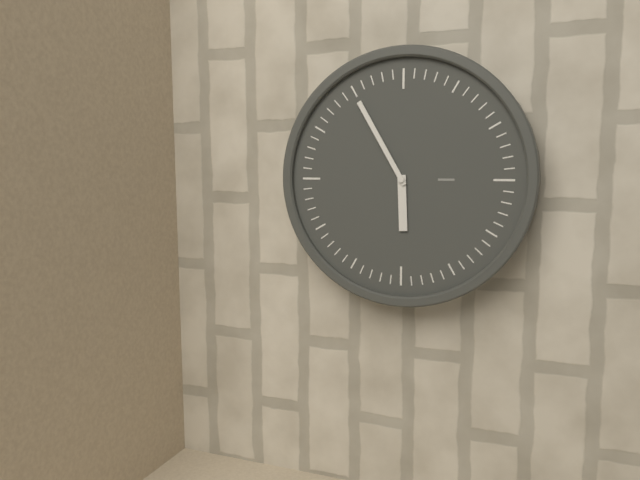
5:55
